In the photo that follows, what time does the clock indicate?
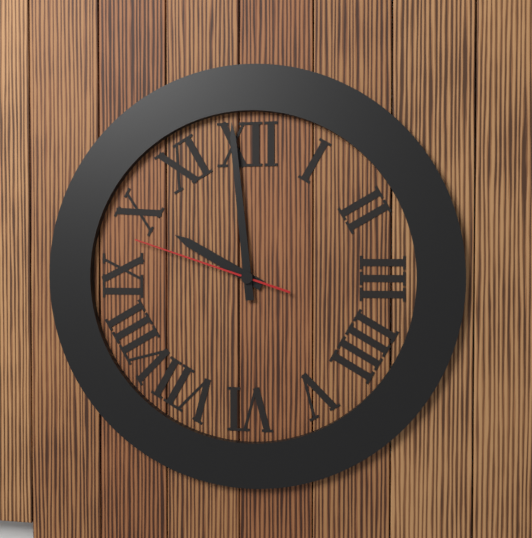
9:59:48
